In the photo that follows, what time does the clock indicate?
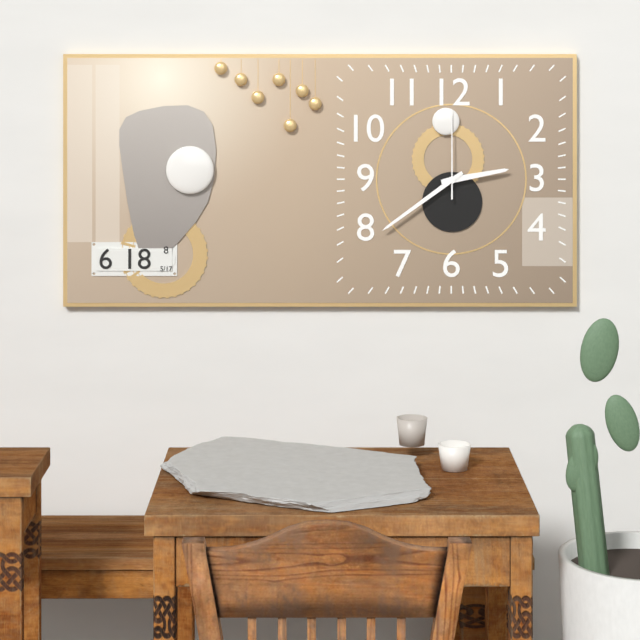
2:39:00
